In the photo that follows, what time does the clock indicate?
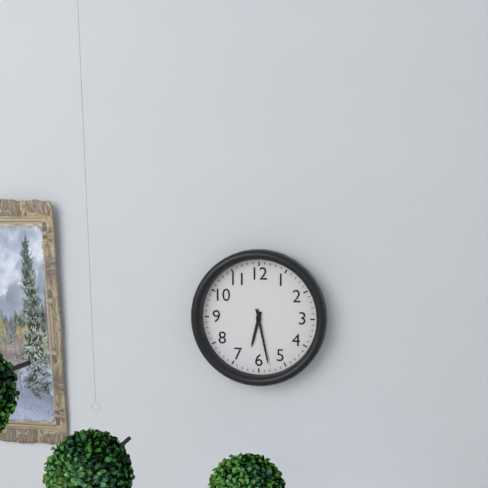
6:28
